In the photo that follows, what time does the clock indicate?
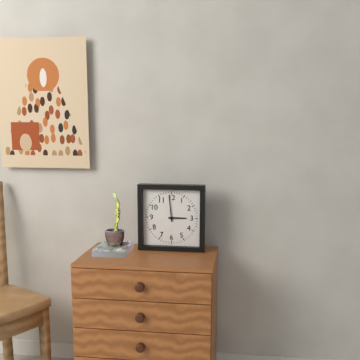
2:59
